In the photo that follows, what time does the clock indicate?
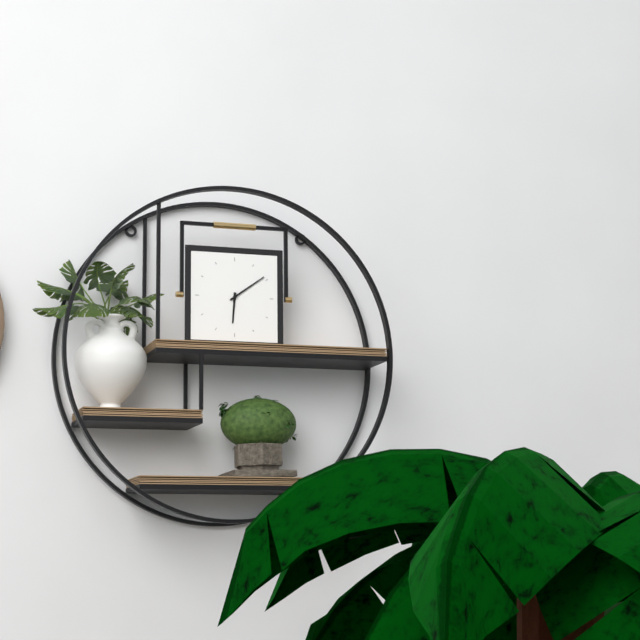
6:09
